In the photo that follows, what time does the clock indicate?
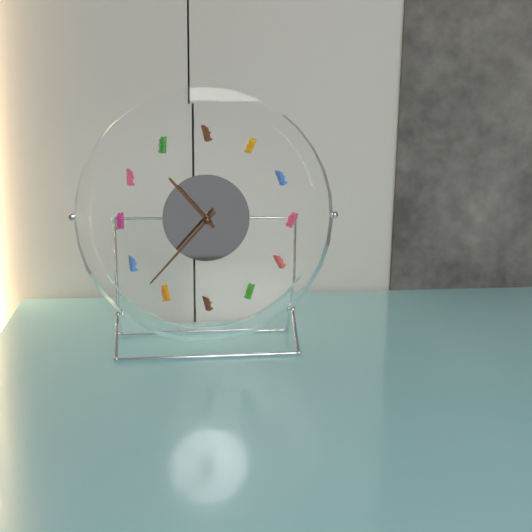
10:37
